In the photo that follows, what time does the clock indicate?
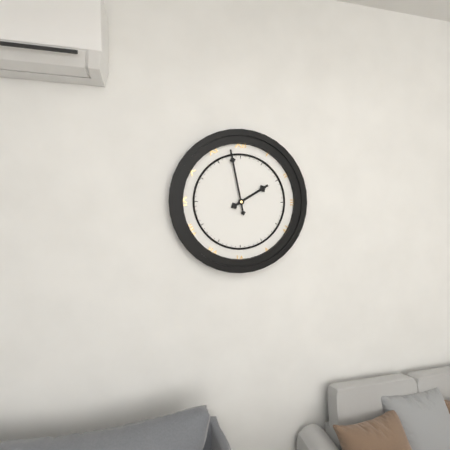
1:58
